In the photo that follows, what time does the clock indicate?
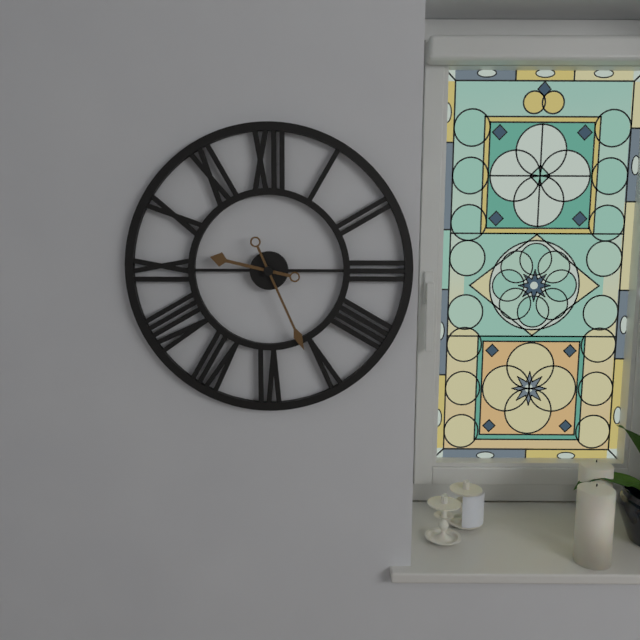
9:26
